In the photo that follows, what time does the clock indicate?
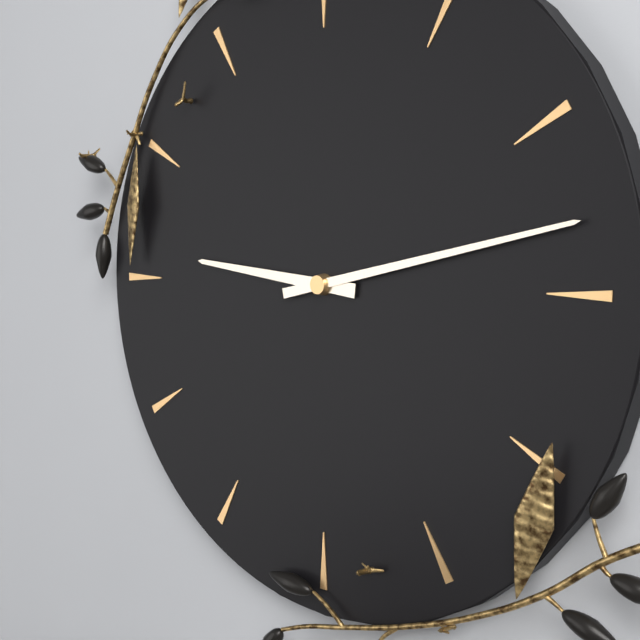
9:13
